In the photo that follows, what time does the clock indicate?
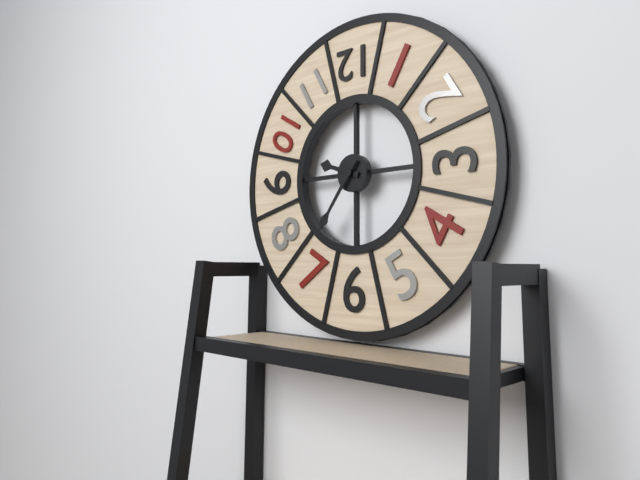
9:36
